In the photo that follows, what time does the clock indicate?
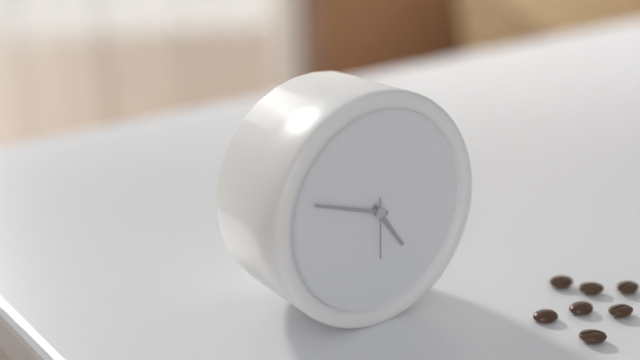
4:48:30
